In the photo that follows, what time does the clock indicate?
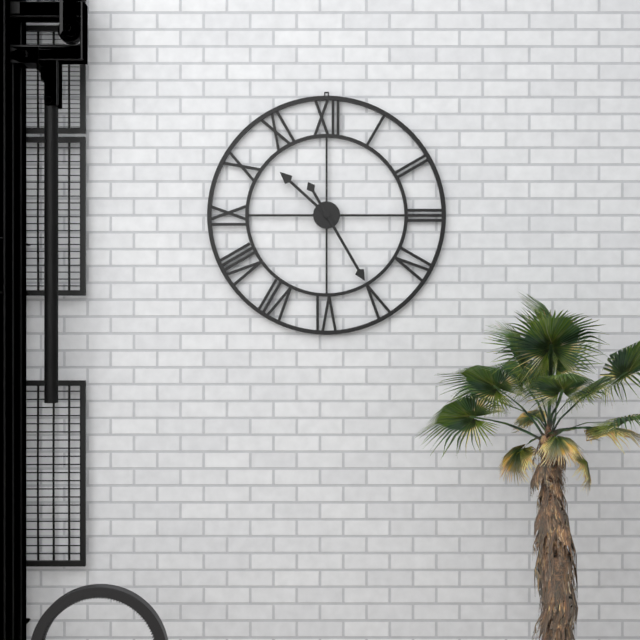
10:25
